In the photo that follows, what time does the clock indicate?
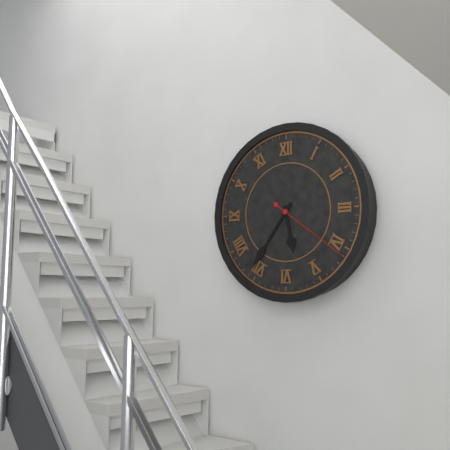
5:36:21
